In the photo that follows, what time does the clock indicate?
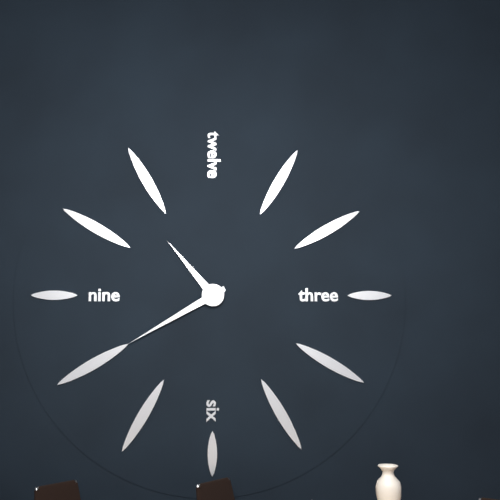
10:40
